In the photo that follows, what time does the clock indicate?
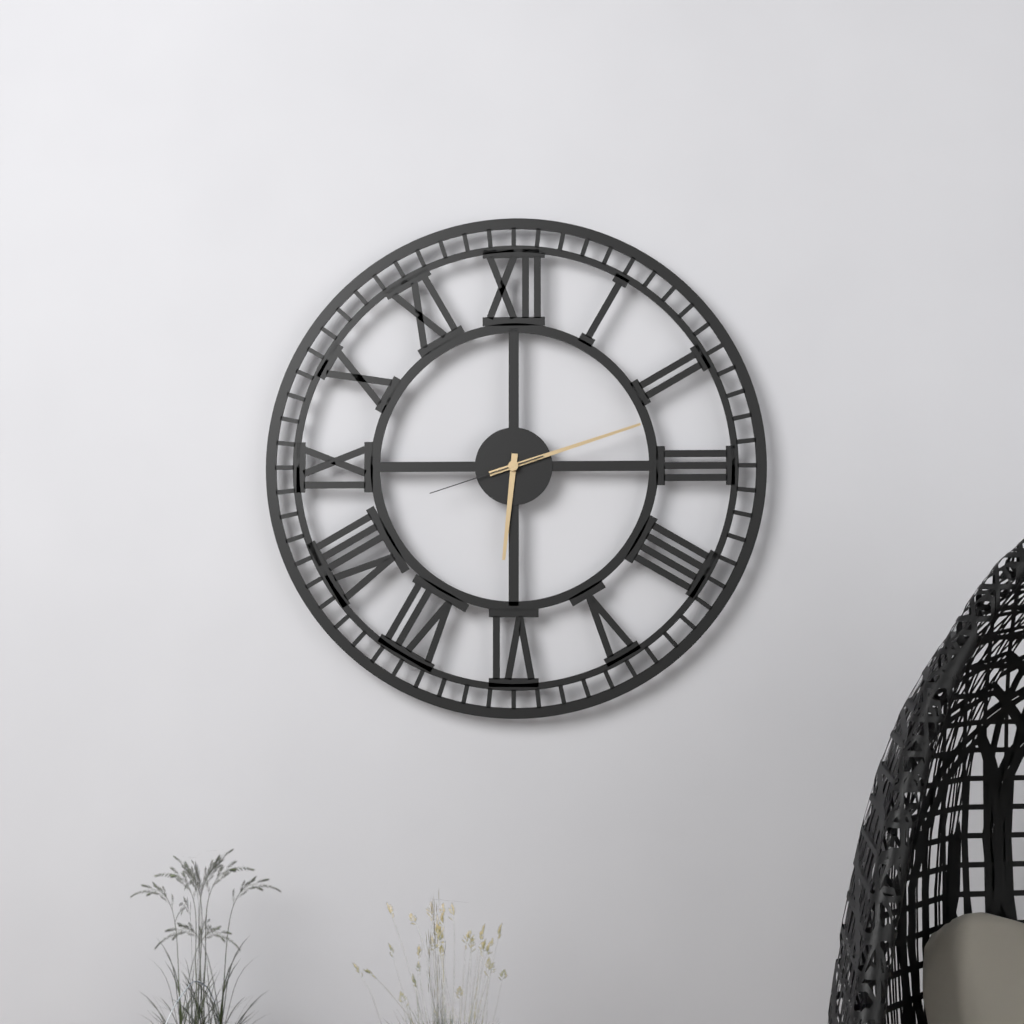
6:12:42
